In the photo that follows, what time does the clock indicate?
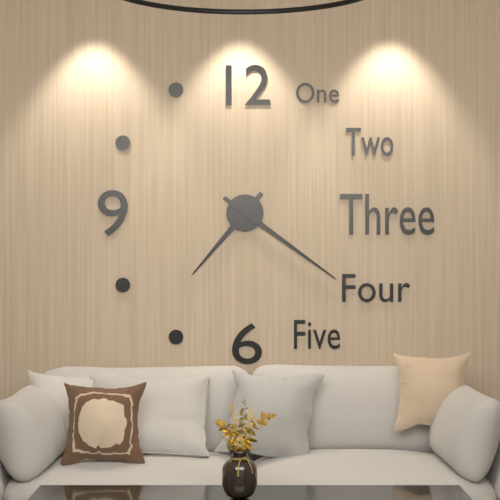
7:21
